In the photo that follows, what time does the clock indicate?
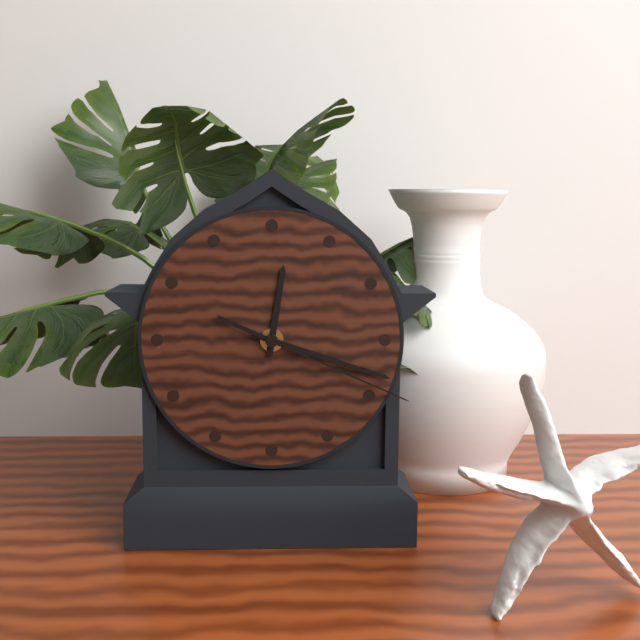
12:18:19
